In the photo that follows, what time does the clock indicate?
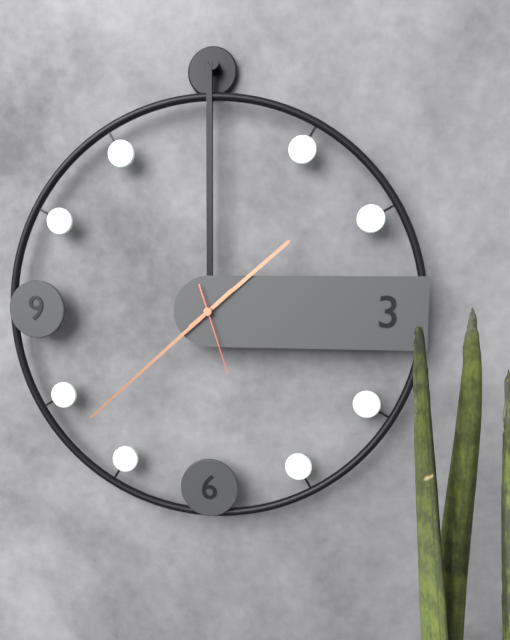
1:38:27
